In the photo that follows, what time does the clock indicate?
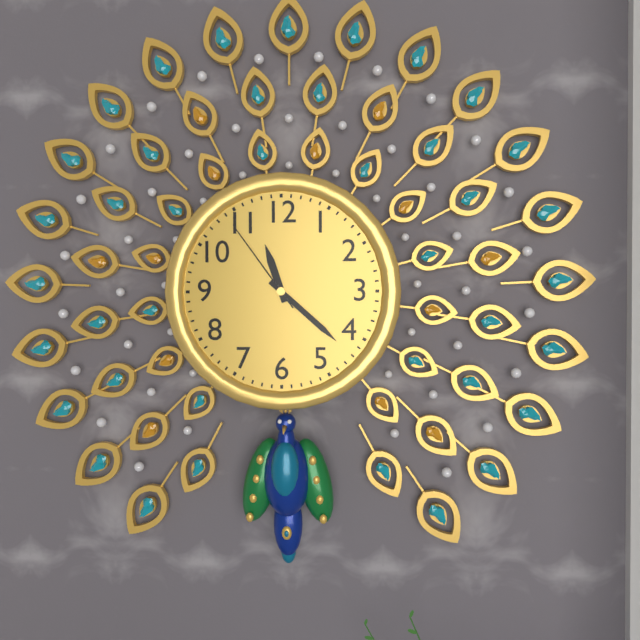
11:22:54
